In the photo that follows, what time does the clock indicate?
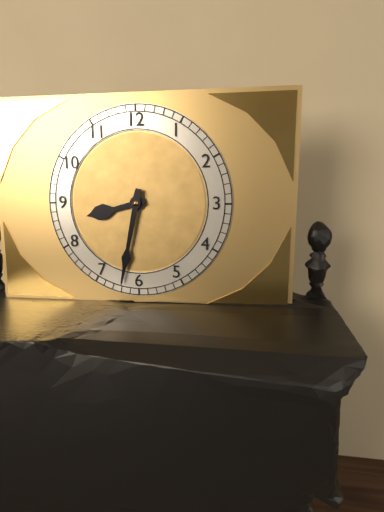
8:32
